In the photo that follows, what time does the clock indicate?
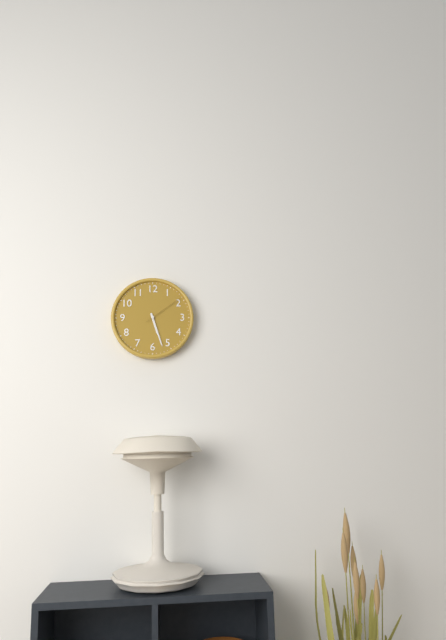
5:27
